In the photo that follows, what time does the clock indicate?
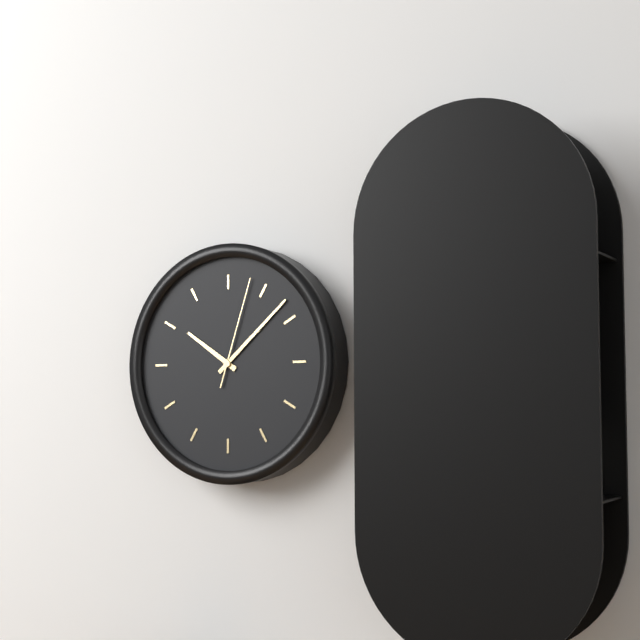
10:08:03
